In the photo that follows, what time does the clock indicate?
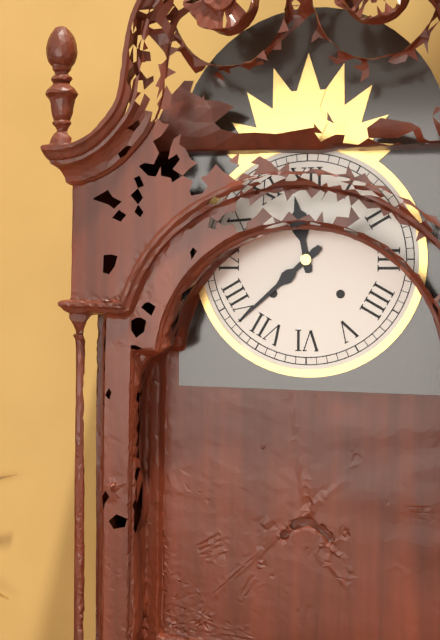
11:38
